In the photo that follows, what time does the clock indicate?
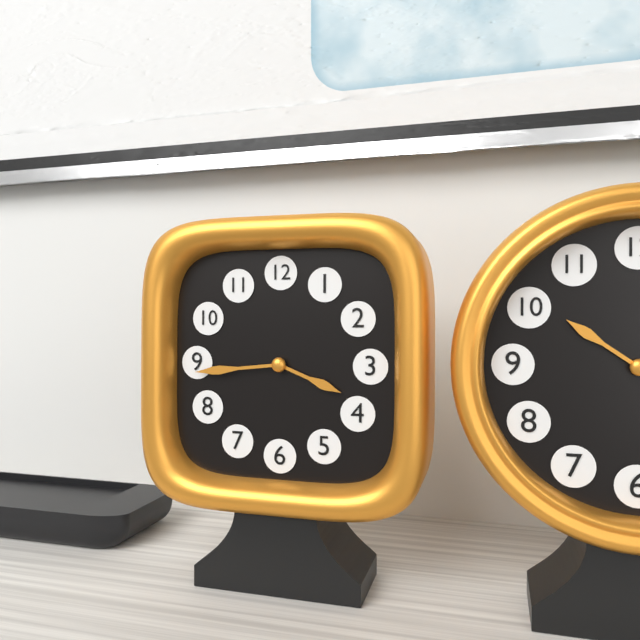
3:44
